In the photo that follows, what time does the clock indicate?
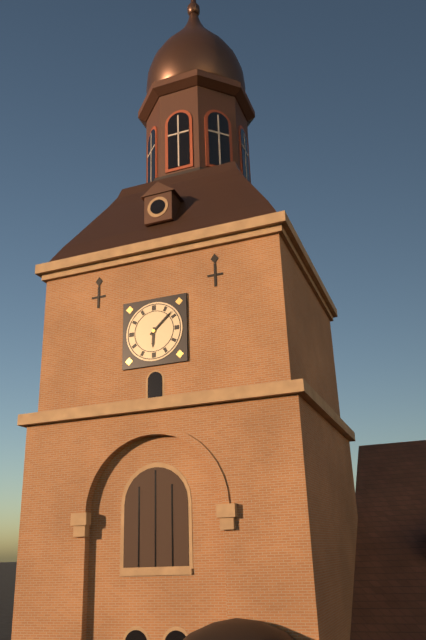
6:08
